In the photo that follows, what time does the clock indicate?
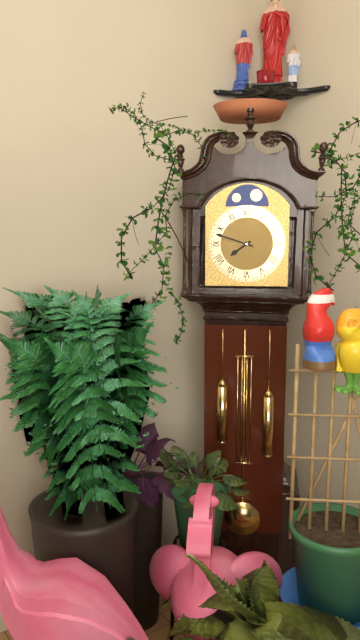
7:48
